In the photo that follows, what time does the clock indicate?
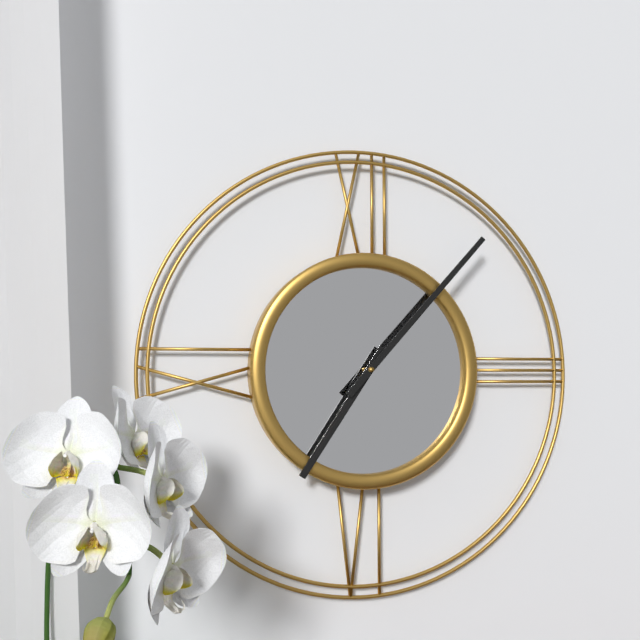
7:07
